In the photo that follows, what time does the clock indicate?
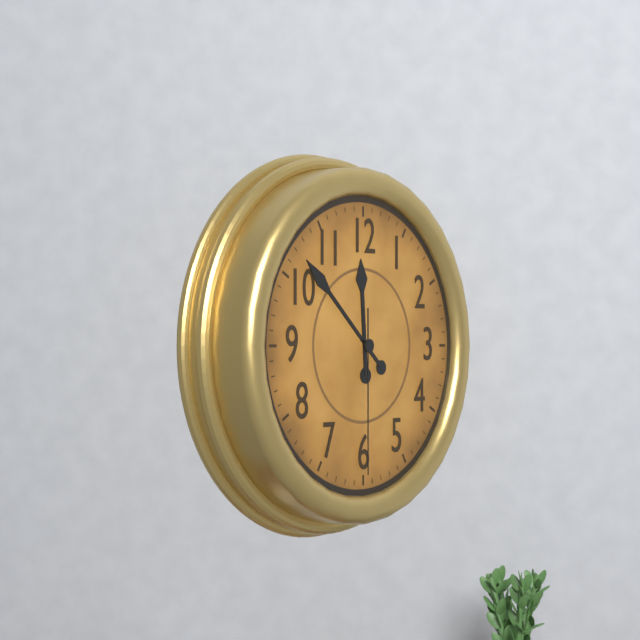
11:52:30
